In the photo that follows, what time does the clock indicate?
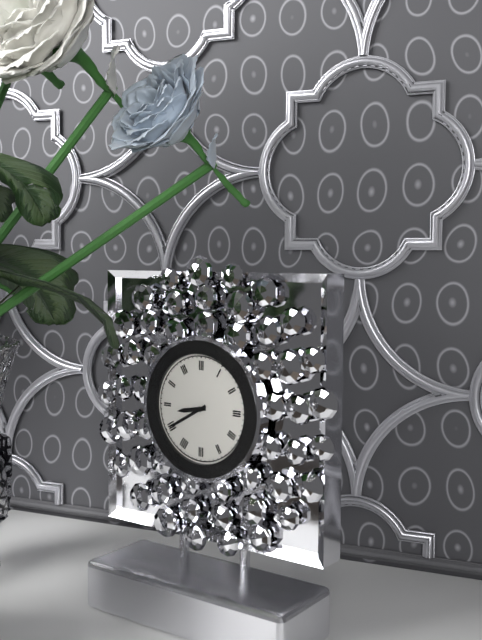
8:40
